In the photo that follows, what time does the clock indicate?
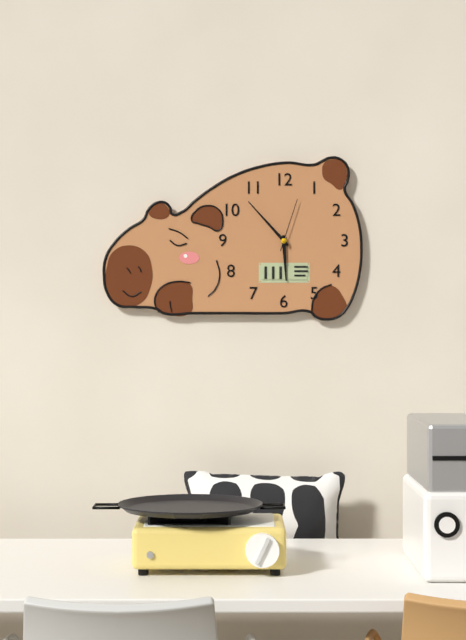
5:53:03
